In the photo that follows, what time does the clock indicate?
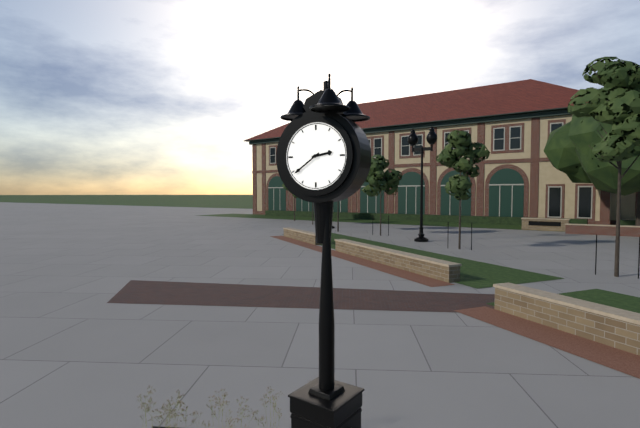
2:39
